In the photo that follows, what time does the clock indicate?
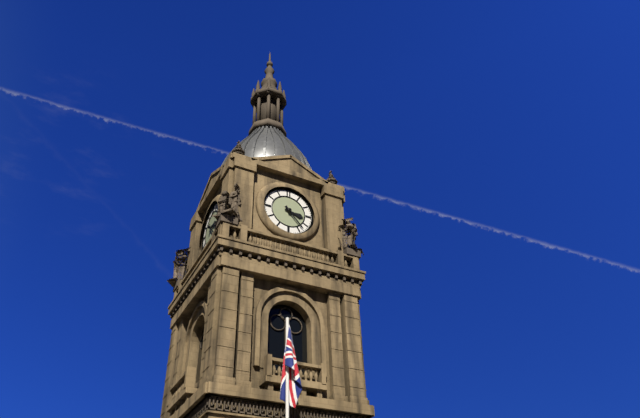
3:23
